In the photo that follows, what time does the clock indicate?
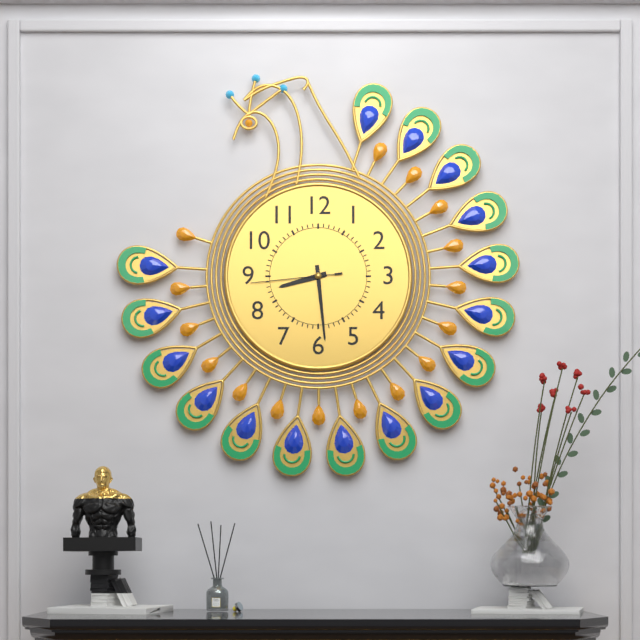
8:29:44
